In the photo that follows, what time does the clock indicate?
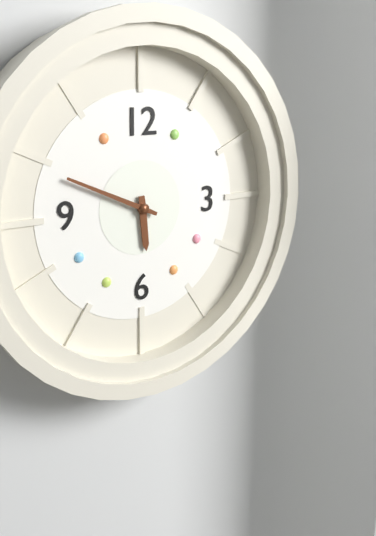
5:49
